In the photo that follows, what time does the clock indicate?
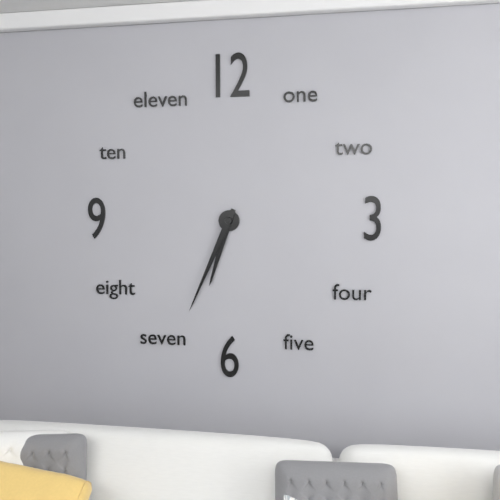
6:34
